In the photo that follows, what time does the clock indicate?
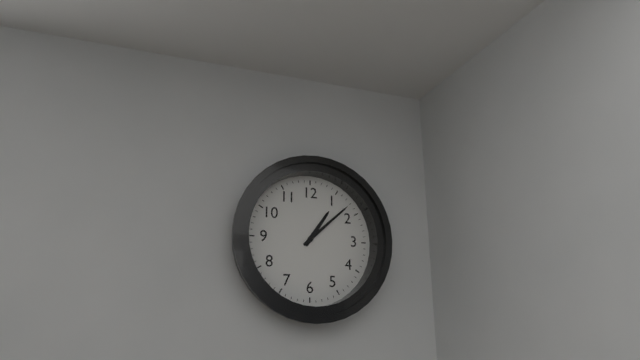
1:08
